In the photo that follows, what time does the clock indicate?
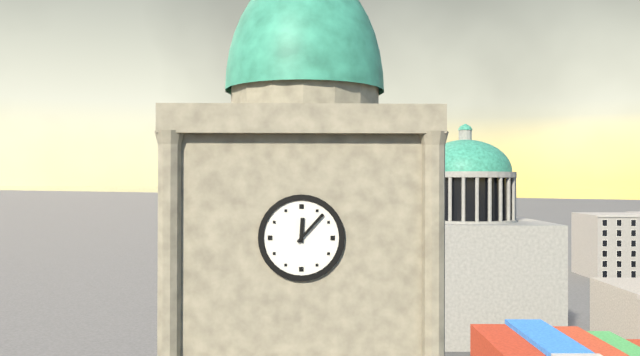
12:07
